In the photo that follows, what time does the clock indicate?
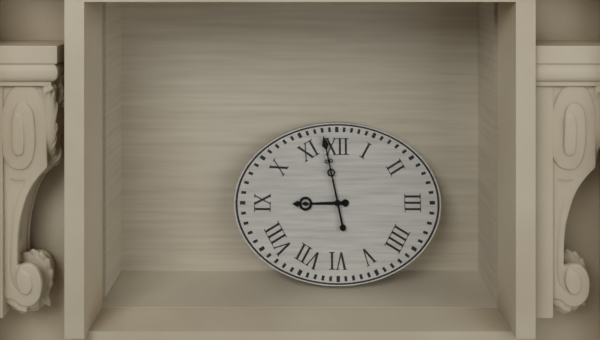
8:58
